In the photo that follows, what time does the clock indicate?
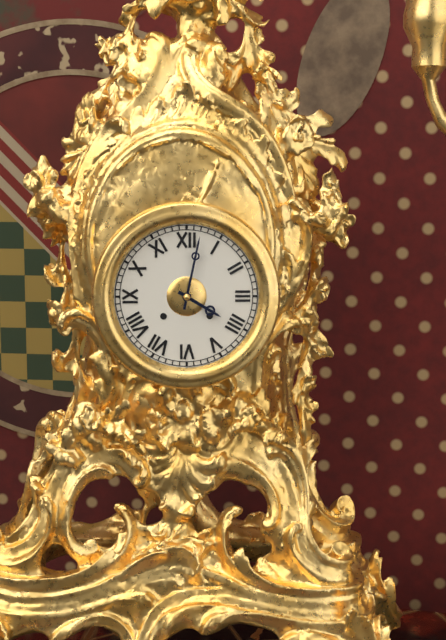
4:02
